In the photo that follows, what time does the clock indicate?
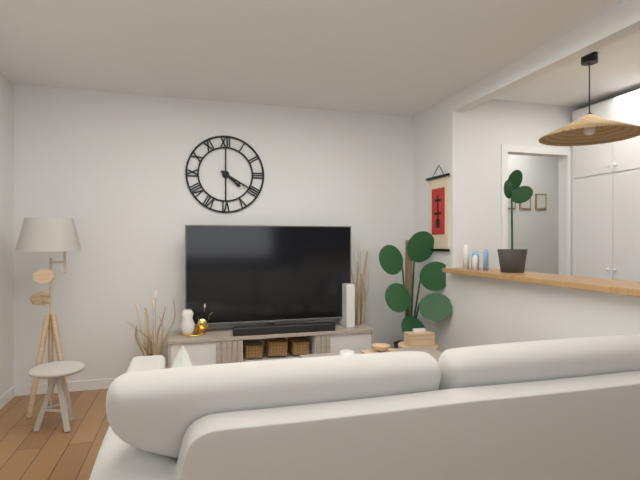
4:20
